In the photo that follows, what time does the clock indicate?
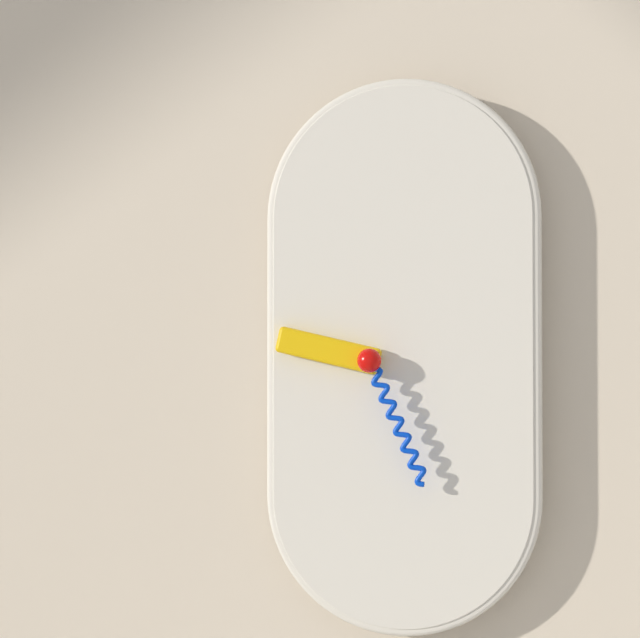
9:26
